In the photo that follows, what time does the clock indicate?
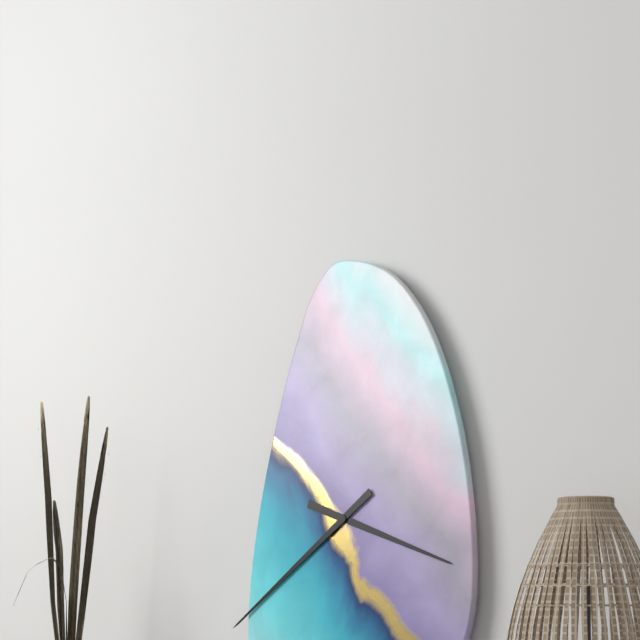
3:39
